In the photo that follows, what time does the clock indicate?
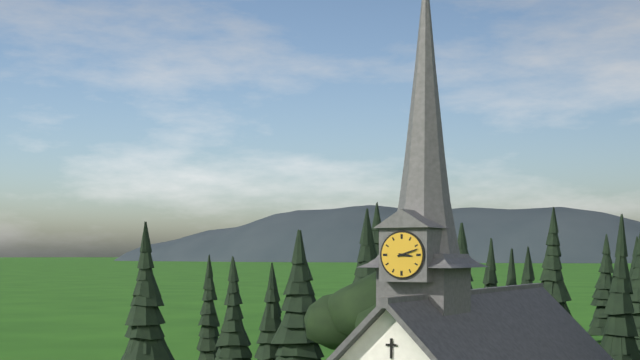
3:12
